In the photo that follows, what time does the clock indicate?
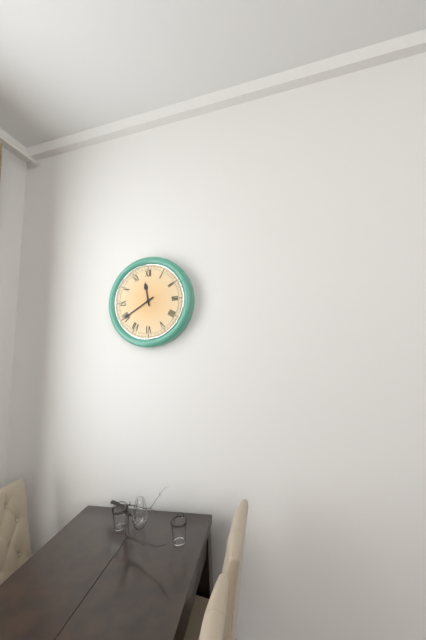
11:40
